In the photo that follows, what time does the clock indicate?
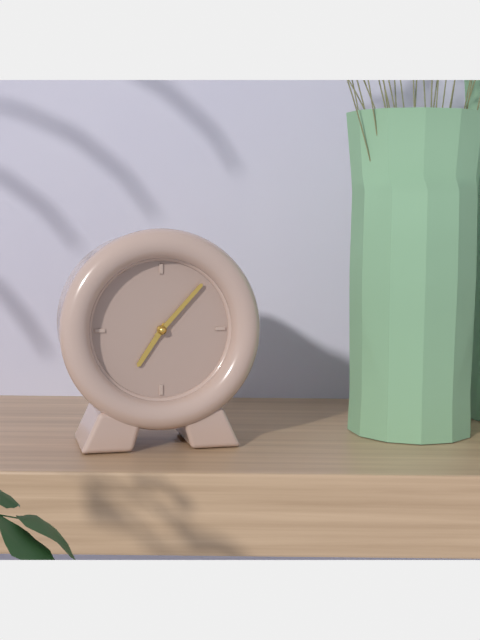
7:07
